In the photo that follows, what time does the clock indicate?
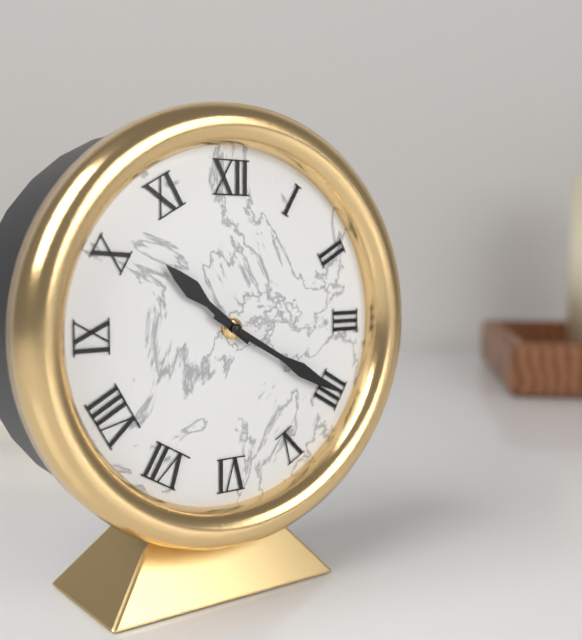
10:20
